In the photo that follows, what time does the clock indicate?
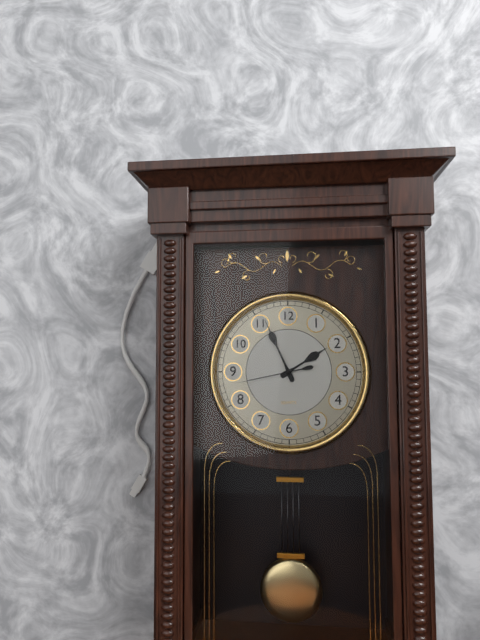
1:56:43
